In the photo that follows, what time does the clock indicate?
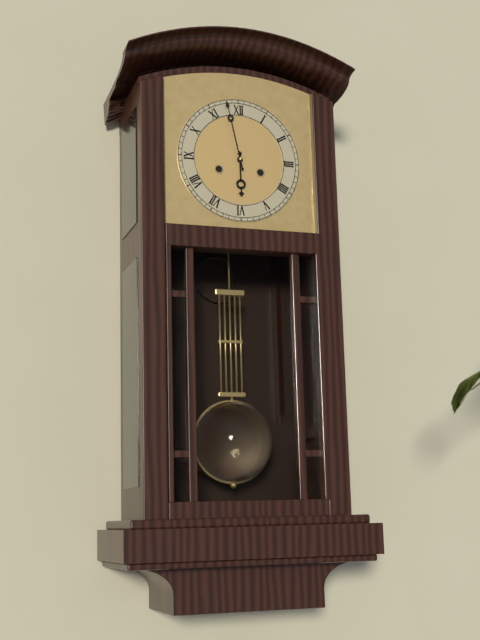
5:58
